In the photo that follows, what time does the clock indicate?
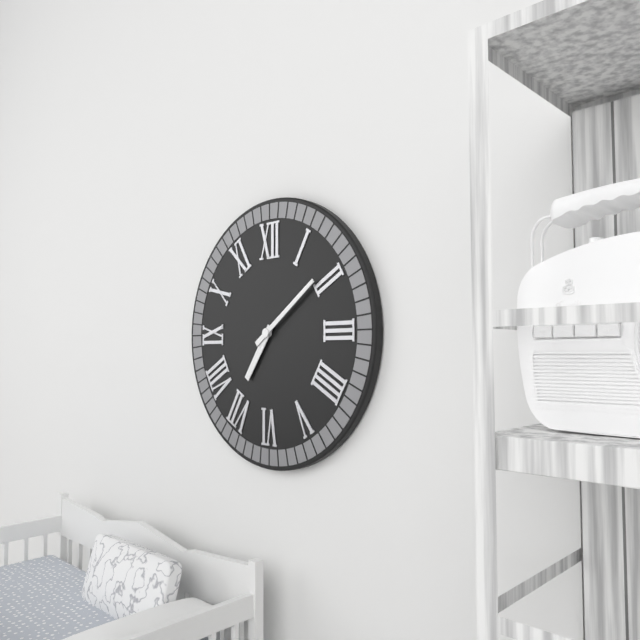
7:09
